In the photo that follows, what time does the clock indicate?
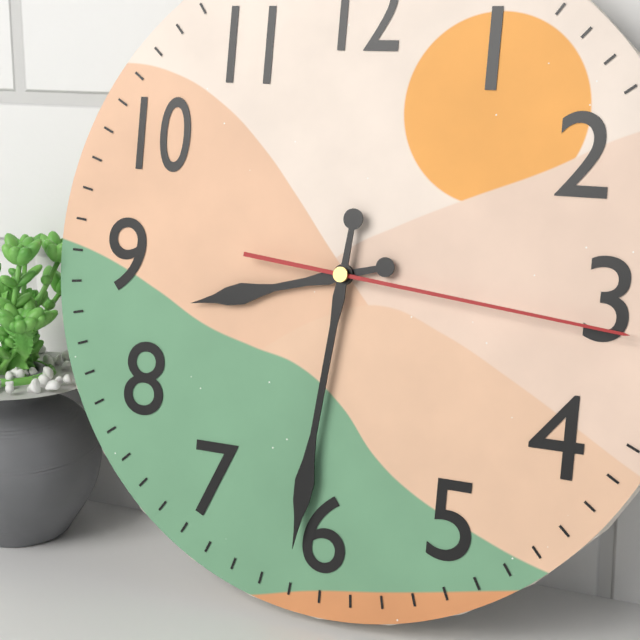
8:31:16
